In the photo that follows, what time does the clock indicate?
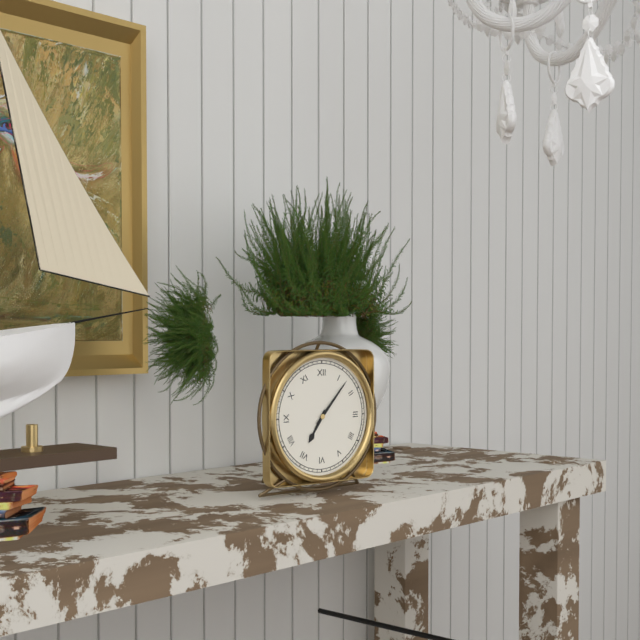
7:07
